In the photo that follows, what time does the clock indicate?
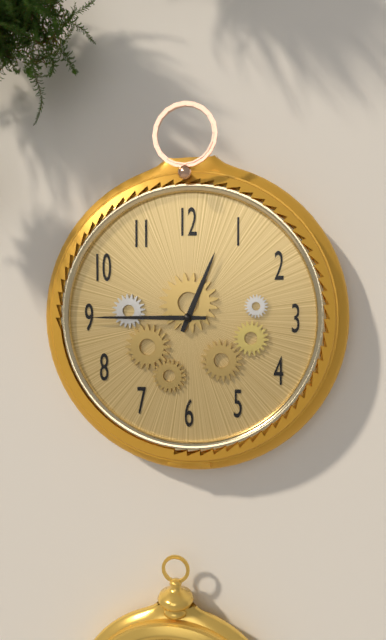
12:45
